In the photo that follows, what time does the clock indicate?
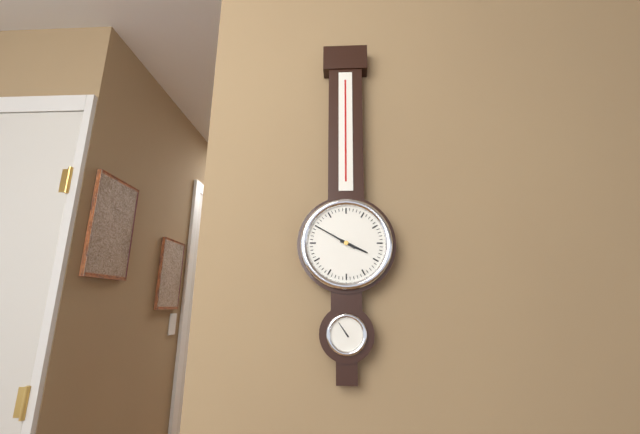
3:50
